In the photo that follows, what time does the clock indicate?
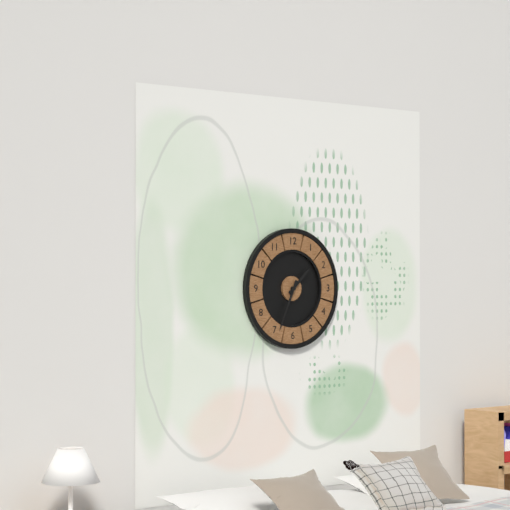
1:34
